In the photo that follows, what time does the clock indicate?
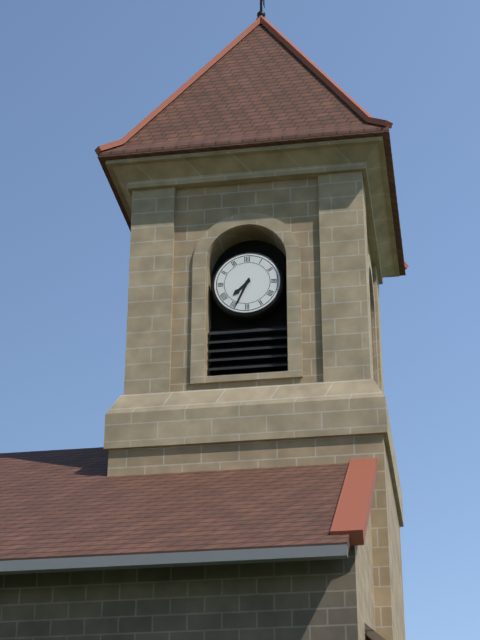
7:34
